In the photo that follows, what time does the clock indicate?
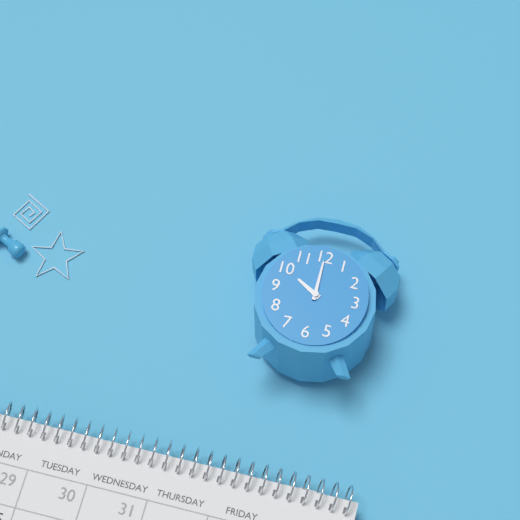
10:00
